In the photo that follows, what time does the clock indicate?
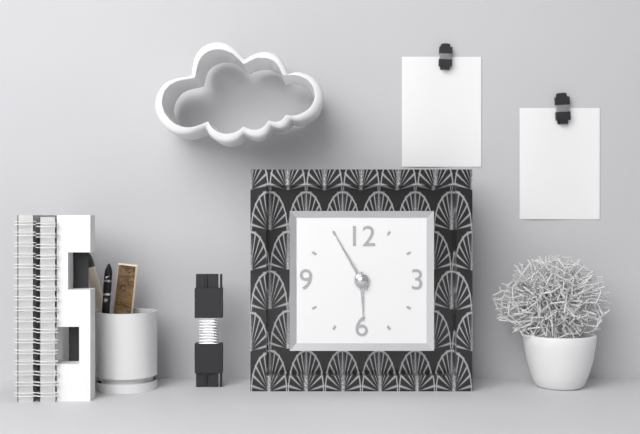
5:55
